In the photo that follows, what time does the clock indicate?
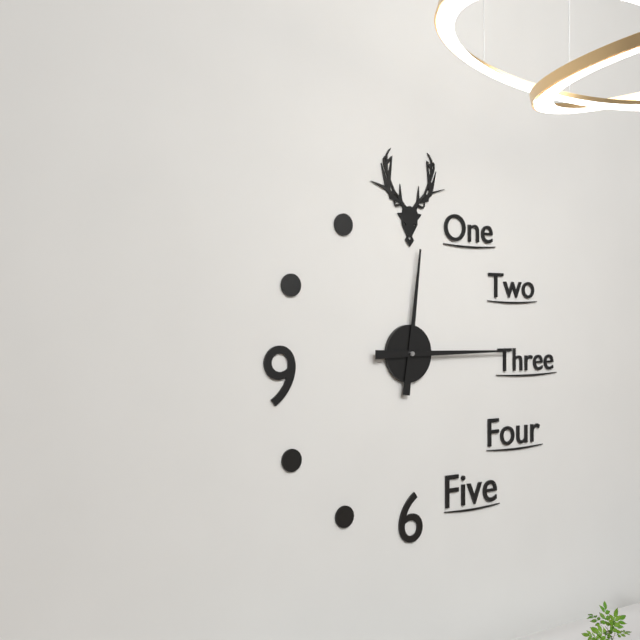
12:15
